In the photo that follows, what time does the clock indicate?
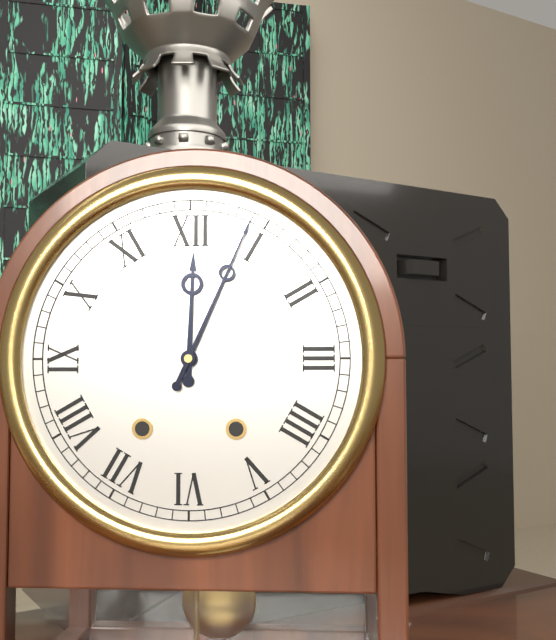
12:04
